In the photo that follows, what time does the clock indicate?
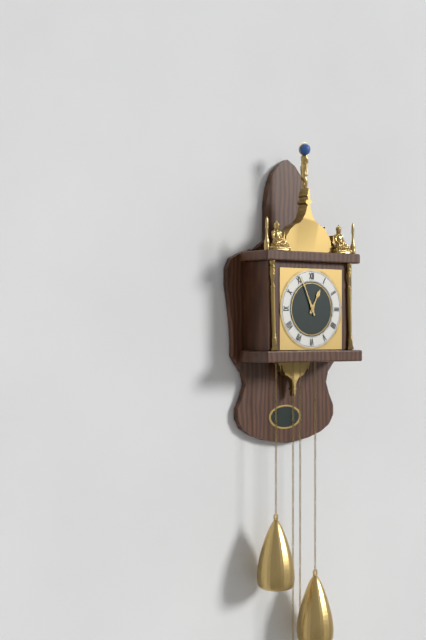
12:56
